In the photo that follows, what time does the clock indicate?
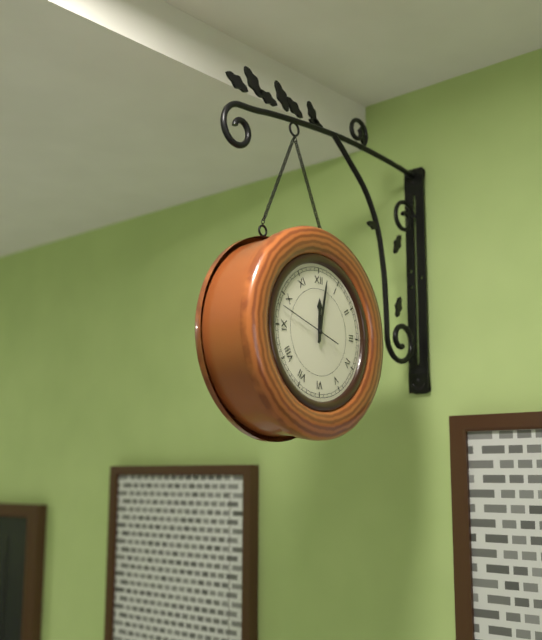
12:02
